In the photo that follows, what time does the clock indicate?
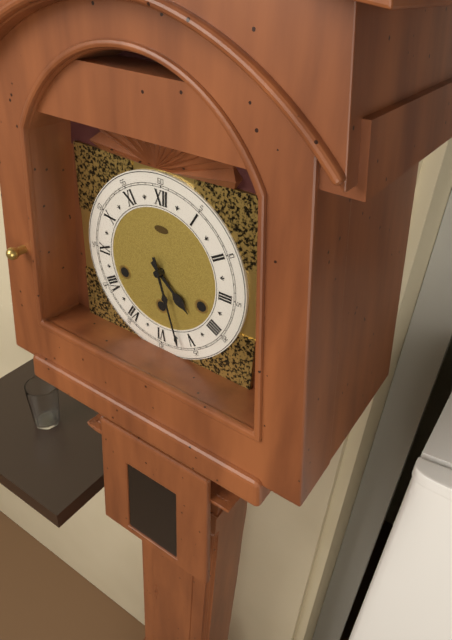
4:27
